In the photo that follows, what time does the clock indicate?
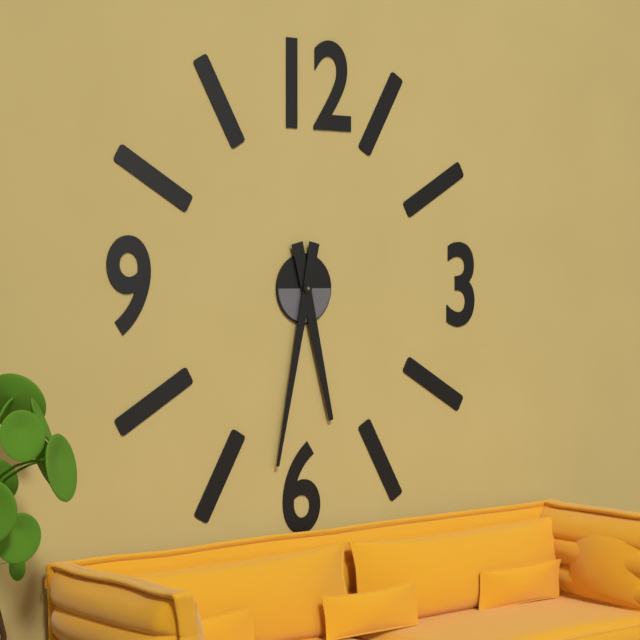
5:32
